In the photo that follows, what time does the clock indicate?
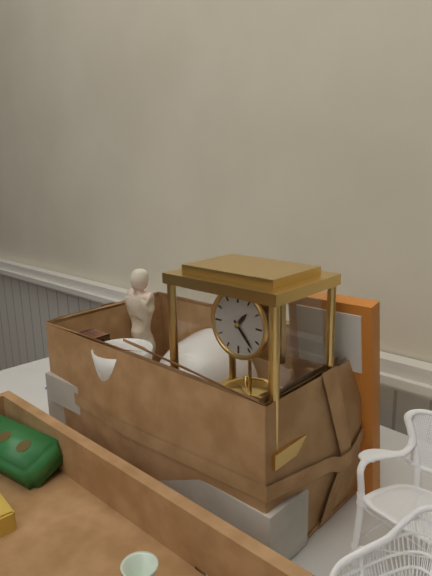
1:23
